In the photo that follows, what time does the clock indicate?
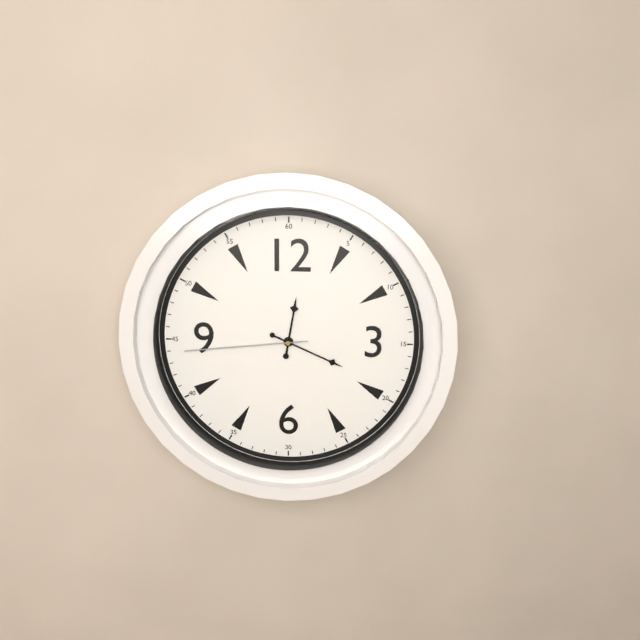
12:19:44
